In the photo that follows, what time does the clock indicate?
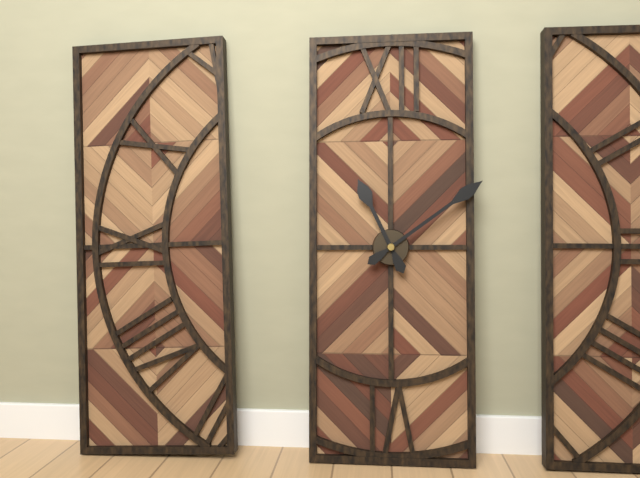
11:09
